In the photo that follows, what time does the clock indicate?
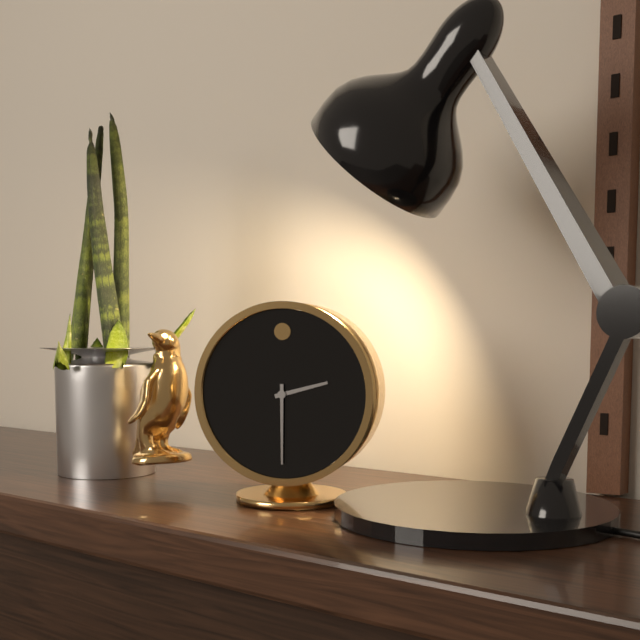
2:30
